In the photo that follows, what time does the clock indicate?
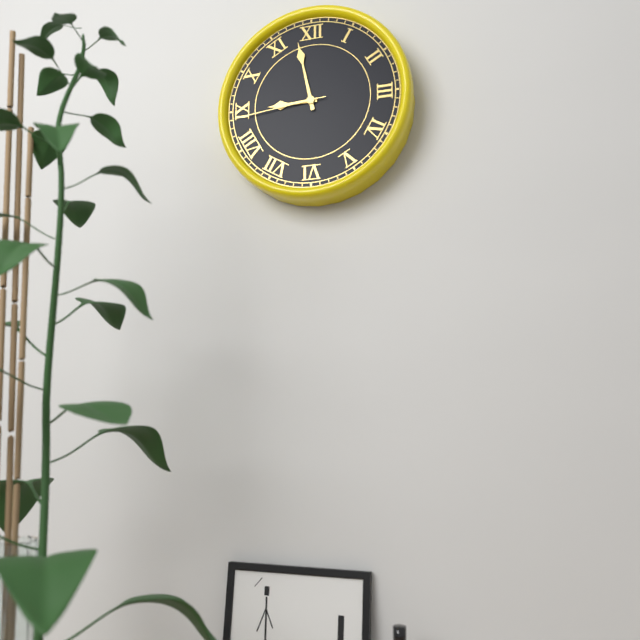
8:58:44
